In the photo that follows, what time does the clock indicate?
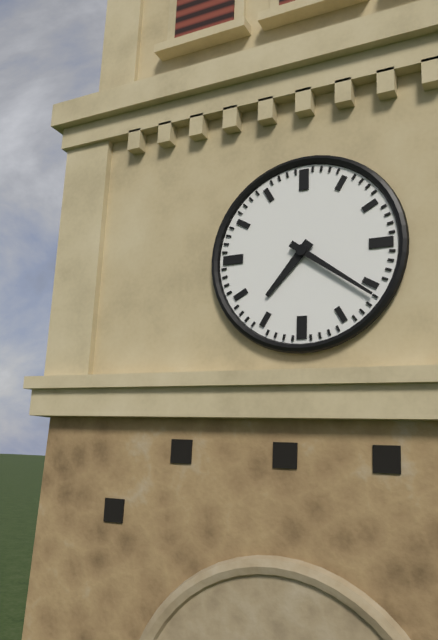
7:21
